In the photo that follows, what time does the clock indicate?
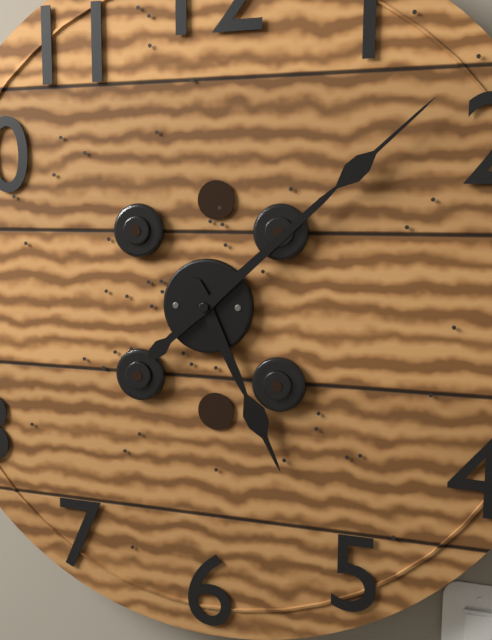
5:08
